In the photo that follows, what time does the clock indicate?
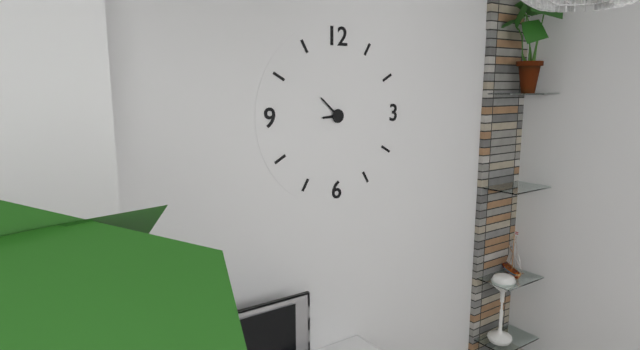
8:52
